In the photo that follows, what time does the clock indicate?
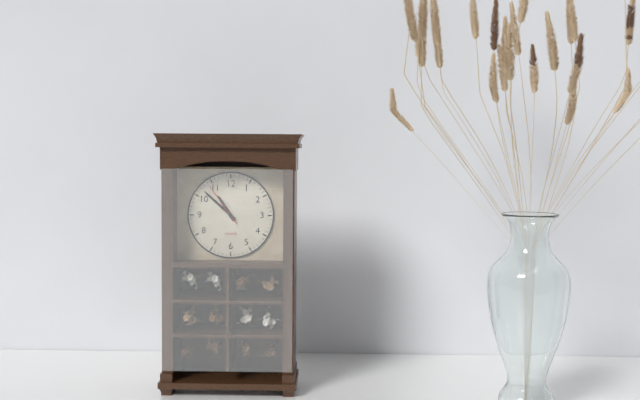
10:52
